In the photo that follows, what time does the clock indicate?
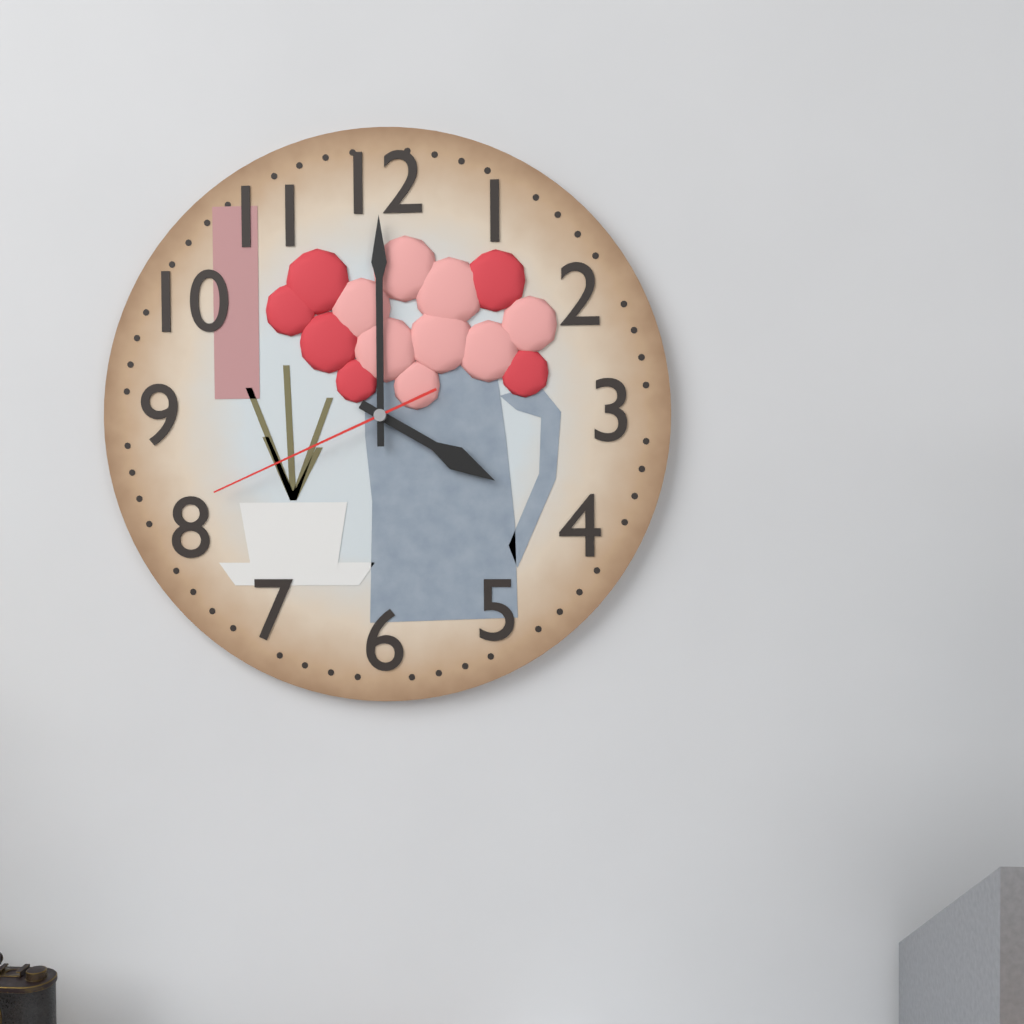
4:00:41
